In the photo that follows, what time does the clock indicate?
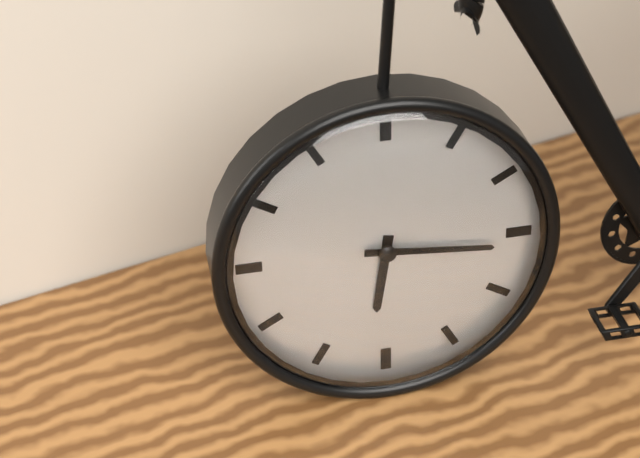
6:16
